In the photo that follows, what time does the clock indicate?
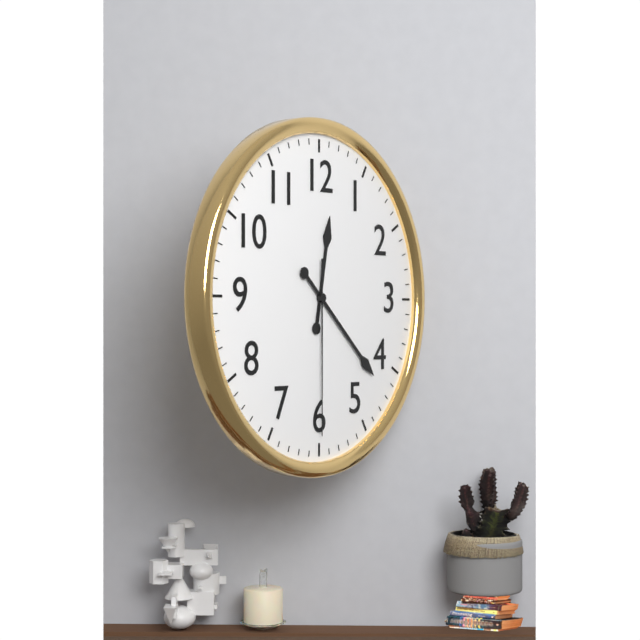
12:22:30
